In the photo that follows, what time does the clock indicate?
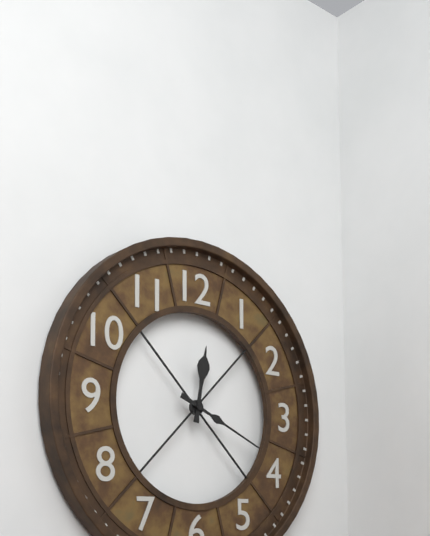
12:19
